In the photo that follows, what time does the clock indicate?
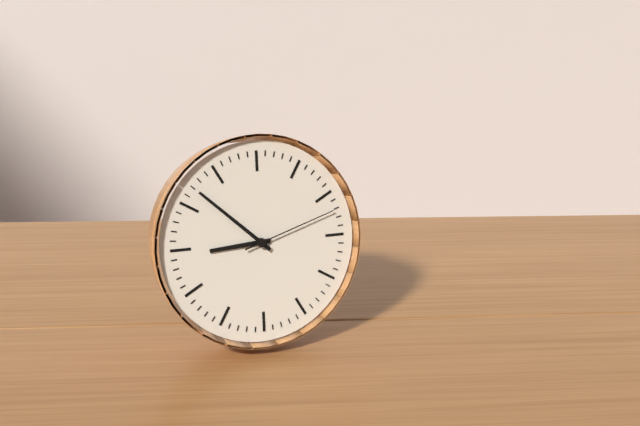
8:52:12
